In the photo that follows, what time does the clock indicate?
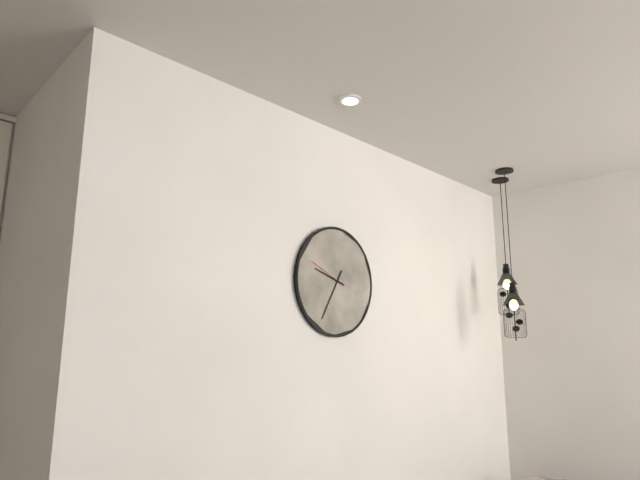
9:35
